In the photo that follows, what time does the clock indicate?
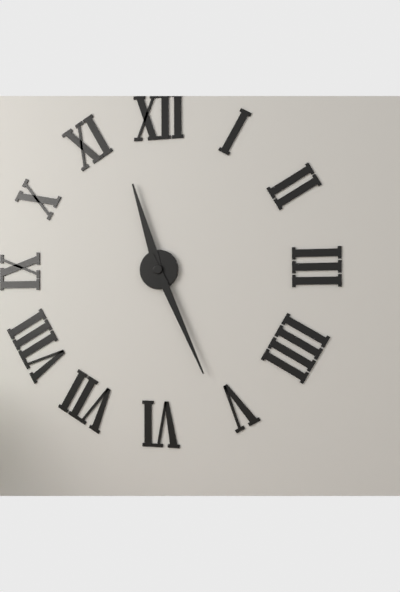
11:26
